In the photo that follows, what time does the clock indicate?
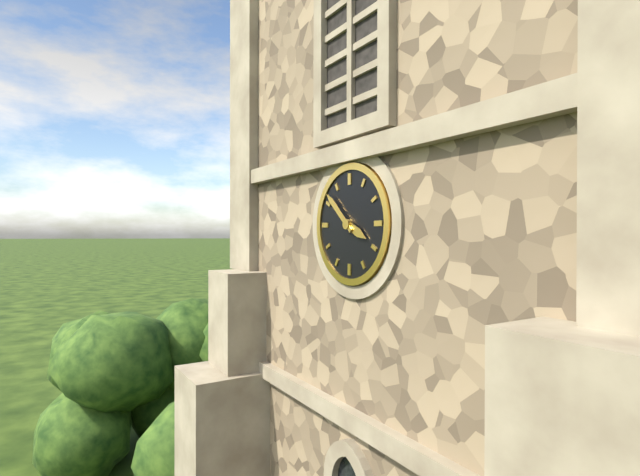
3:52
